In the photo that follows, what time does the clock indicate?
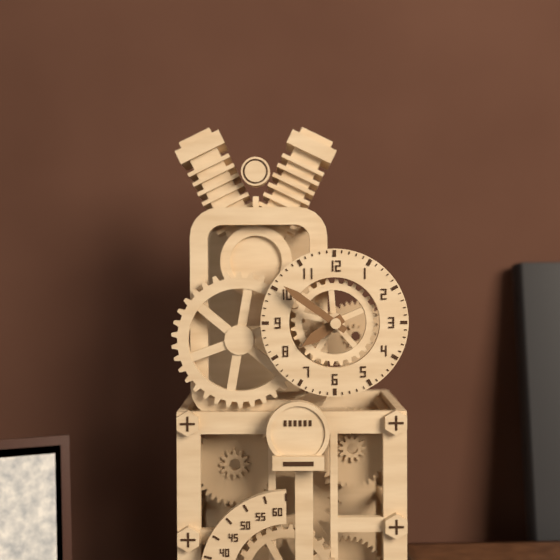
7:51
